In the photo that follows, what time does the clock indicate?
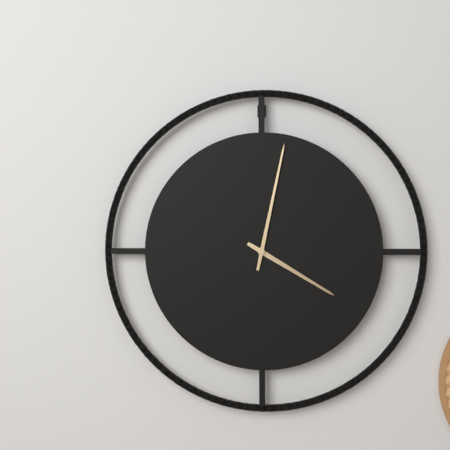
4:02
